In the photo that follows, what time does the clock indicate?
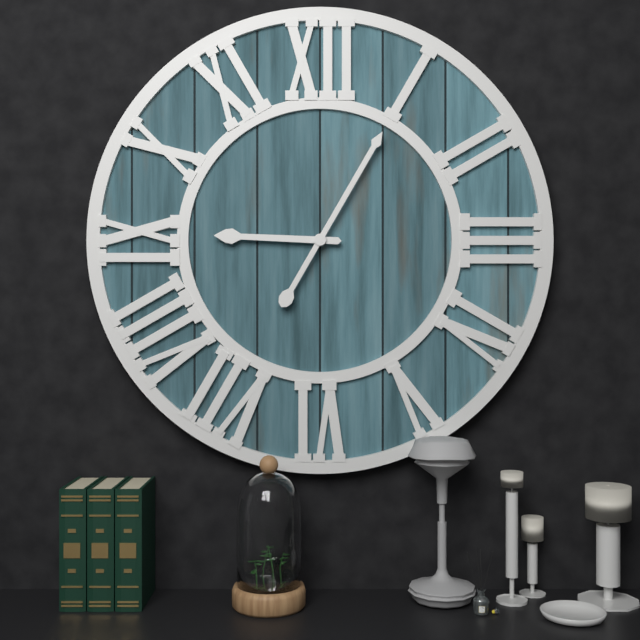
9:05
